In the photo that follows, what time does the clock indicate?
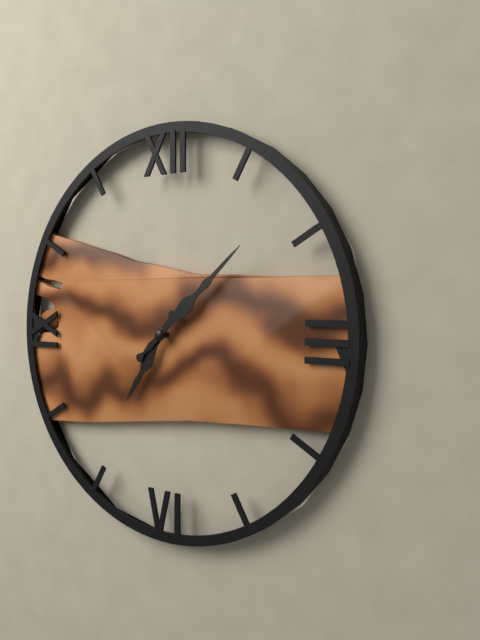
7:08
